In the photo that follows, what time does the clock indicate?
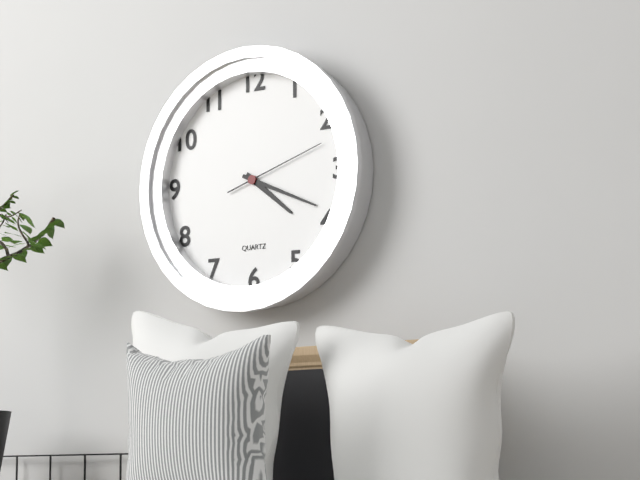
4:19:12
